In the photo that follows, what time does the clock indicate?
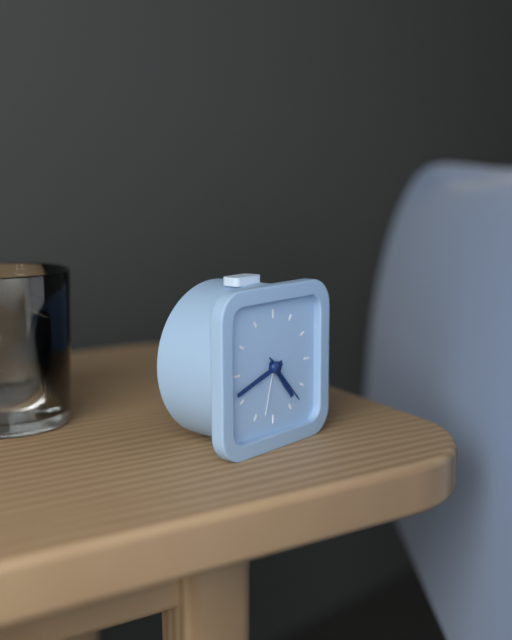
4:42
